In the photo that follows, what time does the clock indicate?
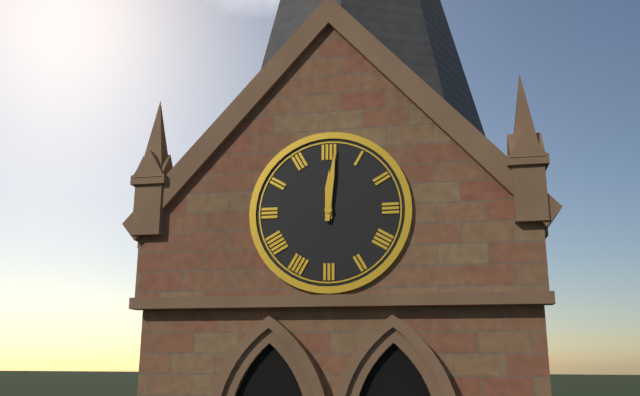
12:01
